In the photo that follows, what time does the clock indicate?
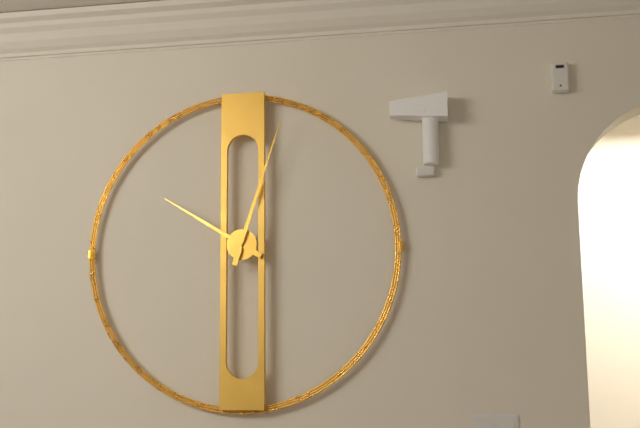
10:03
